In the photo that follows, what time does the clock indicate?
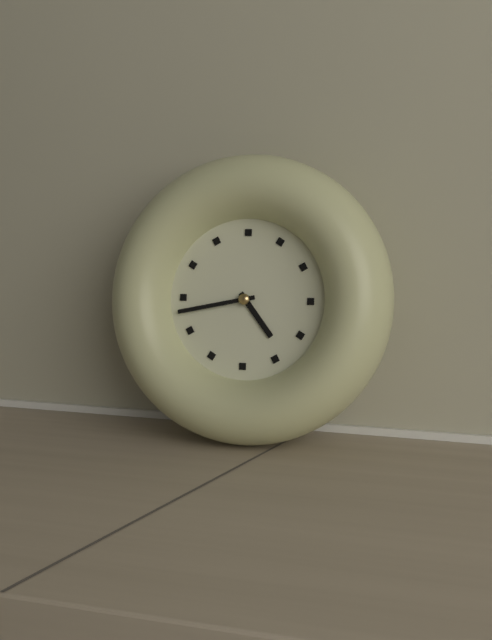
4:43
